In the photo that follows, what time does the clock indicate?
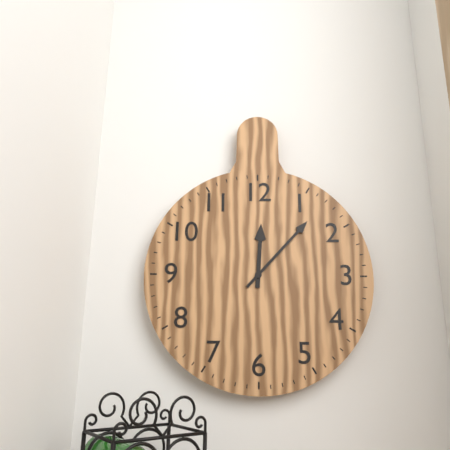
12:07
